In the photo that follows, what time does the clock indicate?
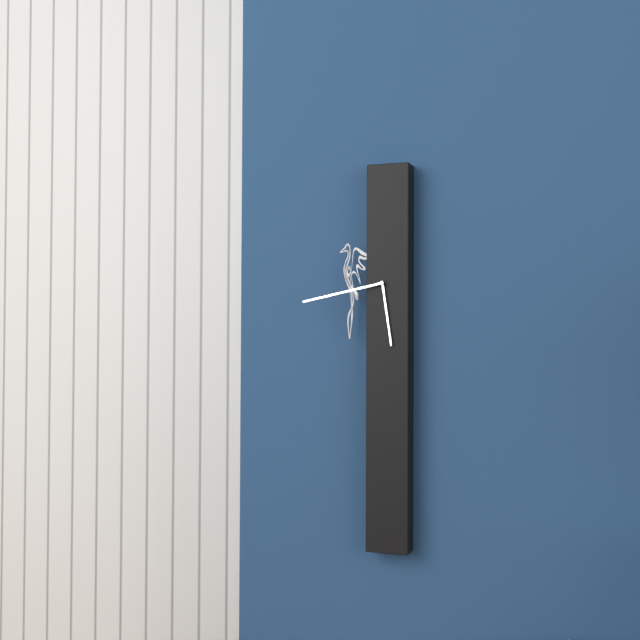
5:43
